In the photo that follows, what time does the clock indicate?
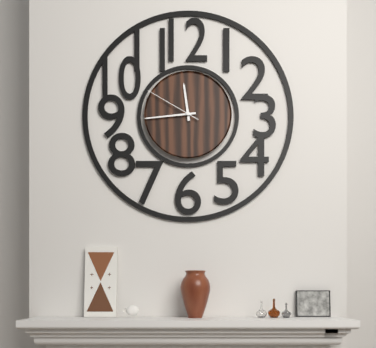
11:44:50
